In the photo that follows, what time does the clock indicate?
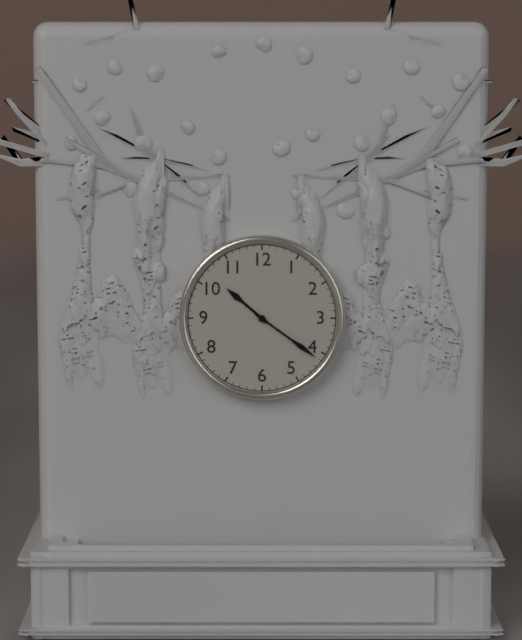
10:21
